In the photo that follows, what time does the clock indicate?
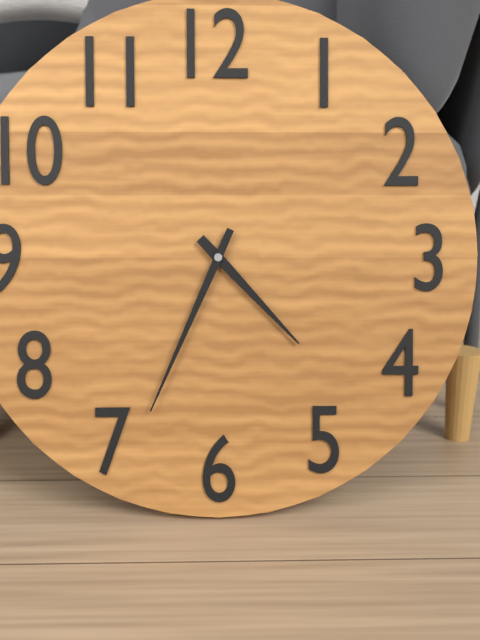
4:34
